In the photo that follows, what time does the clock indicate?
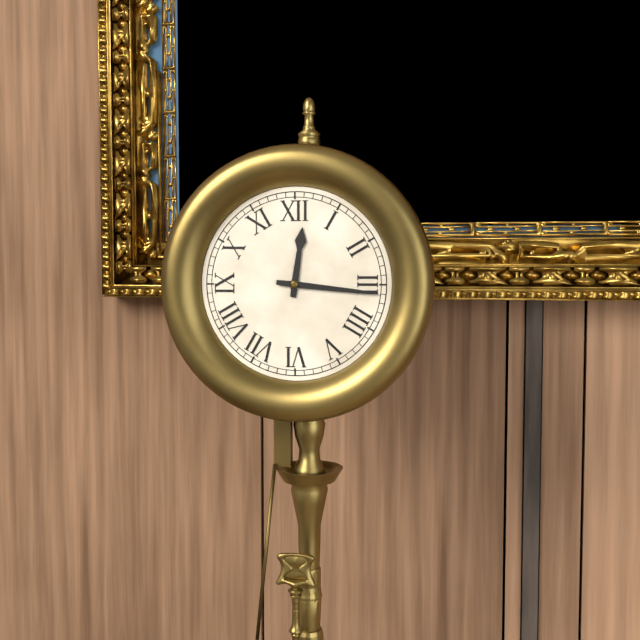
12:16
